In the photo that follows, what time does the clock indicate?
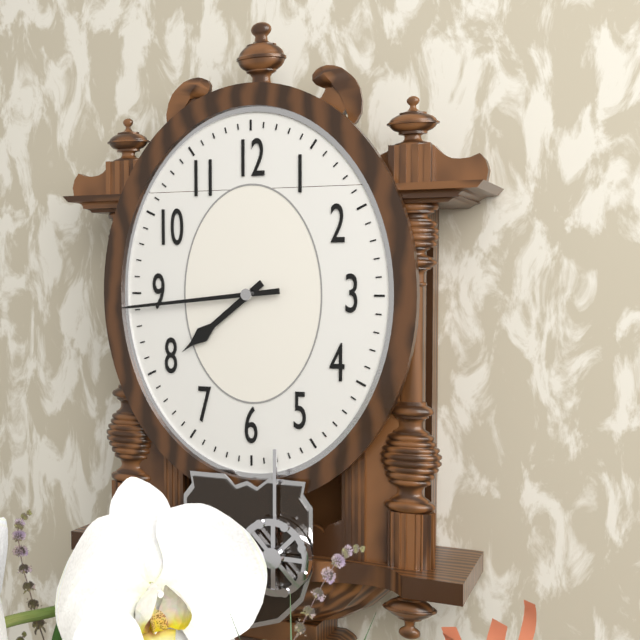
7:44
